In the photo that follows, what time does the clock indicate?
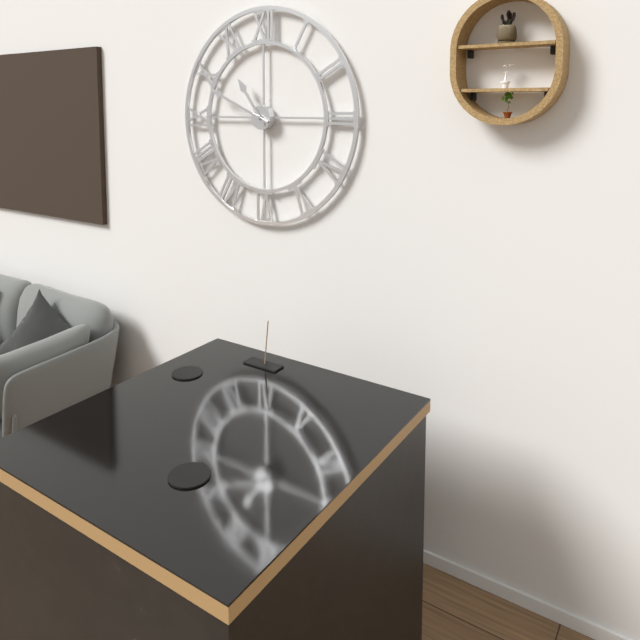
10:49
